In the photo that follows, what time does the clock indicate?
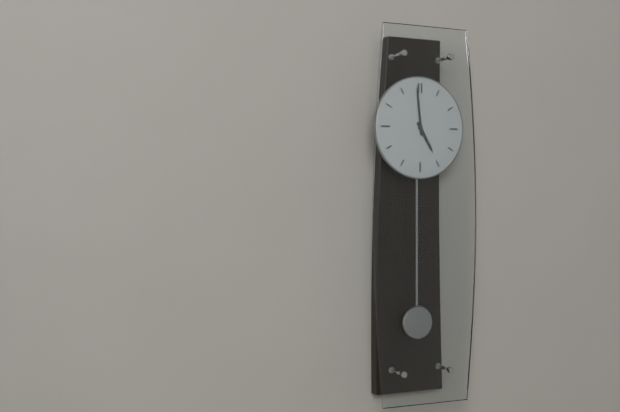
4:59
